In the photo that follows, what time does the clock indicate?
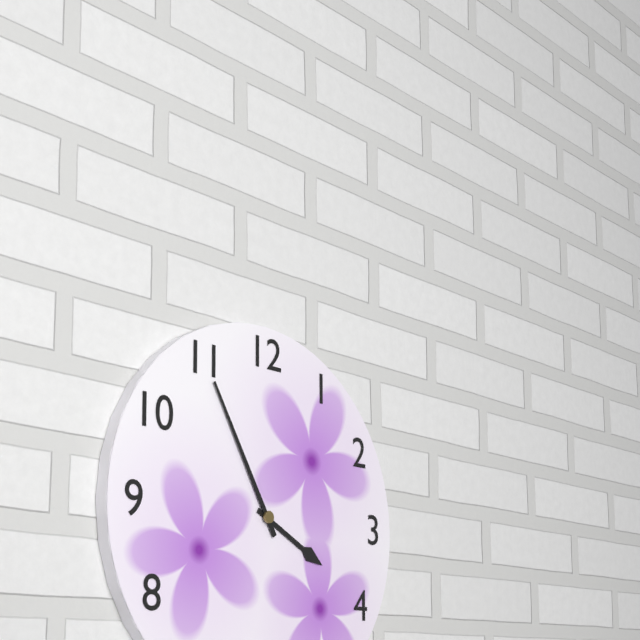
3:55
